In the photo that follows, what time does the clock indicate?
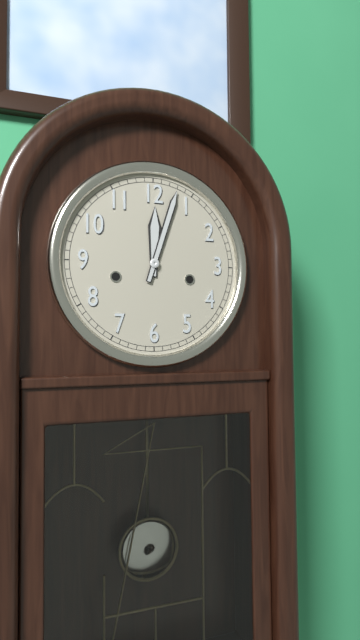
12:03
